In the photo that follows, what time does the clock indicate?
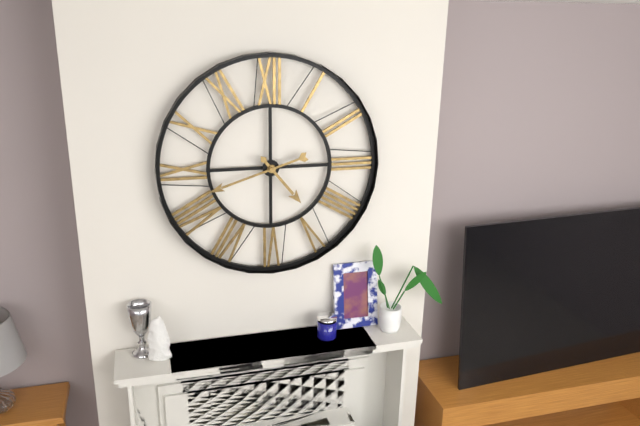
4:42
